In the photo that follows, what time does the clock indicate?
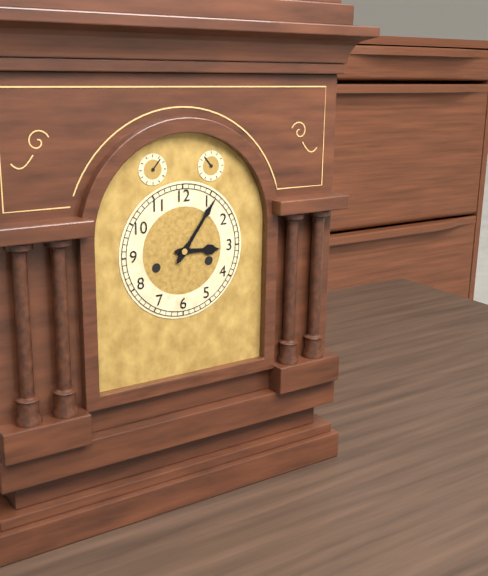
3:06
